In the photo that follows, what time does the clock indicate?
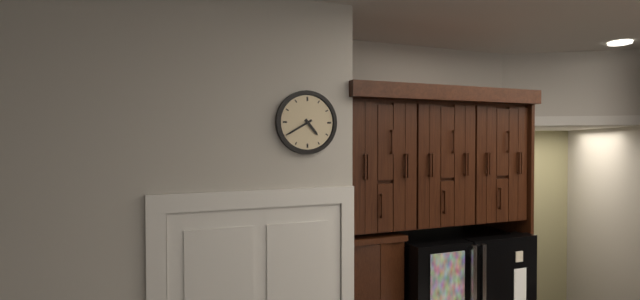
4:40
